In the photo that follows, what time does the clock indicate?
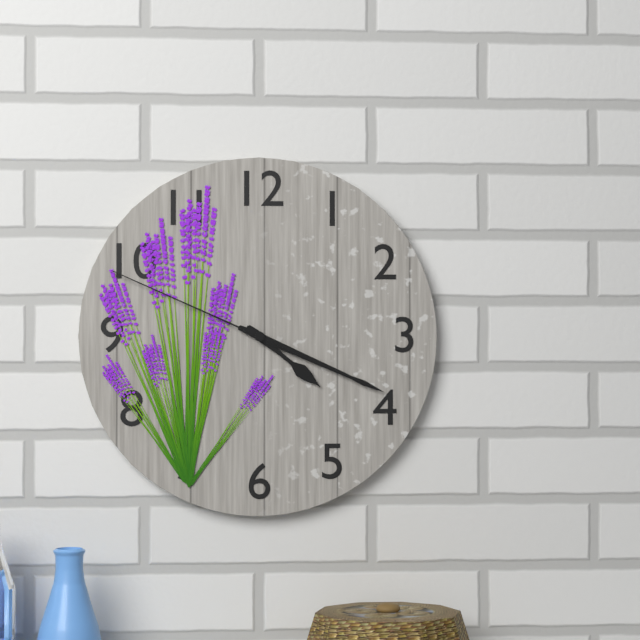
4:19:49
